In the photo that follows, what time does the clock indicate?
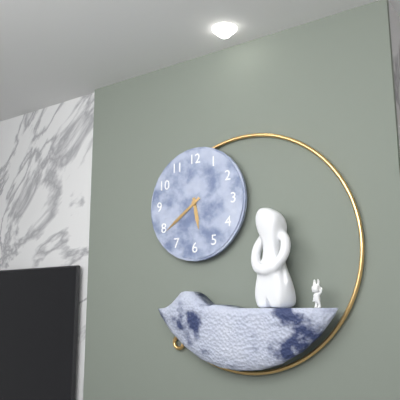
5:39
